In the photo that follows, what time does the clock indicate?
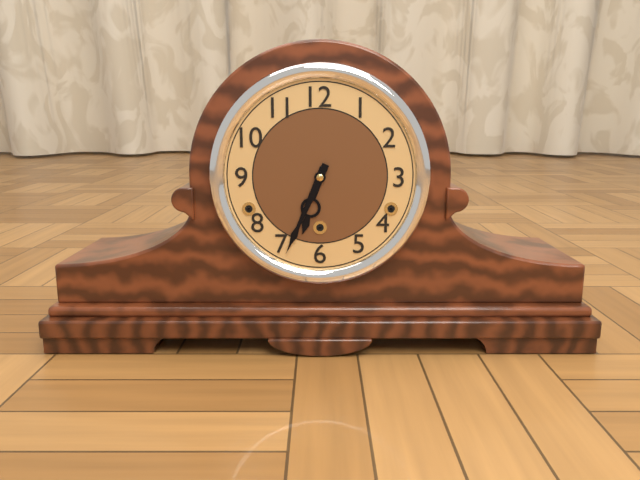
6:34
